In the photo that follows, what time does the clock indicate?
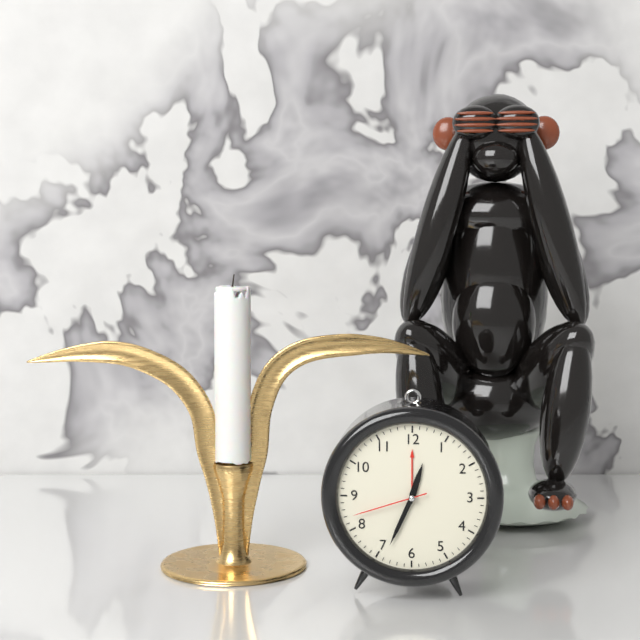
12:34:42
